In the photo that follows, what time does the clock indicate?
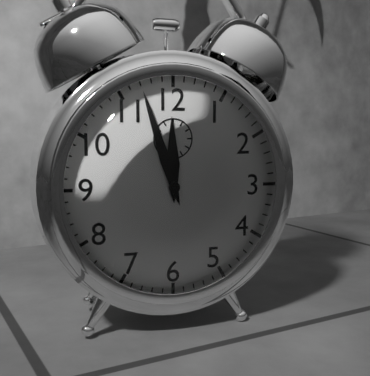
11:57
